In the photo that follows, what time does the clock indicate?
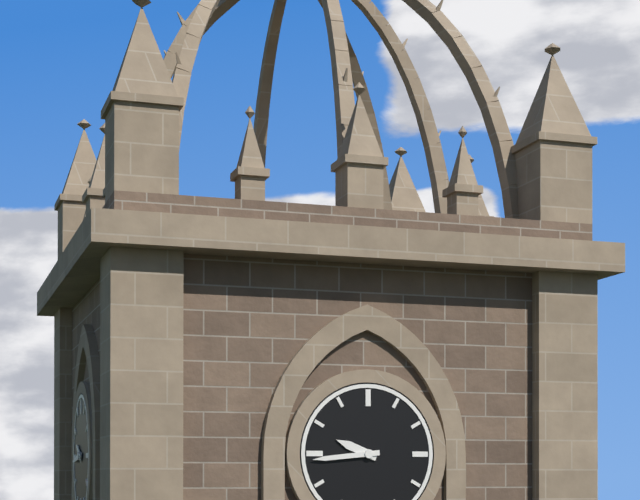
9:44
